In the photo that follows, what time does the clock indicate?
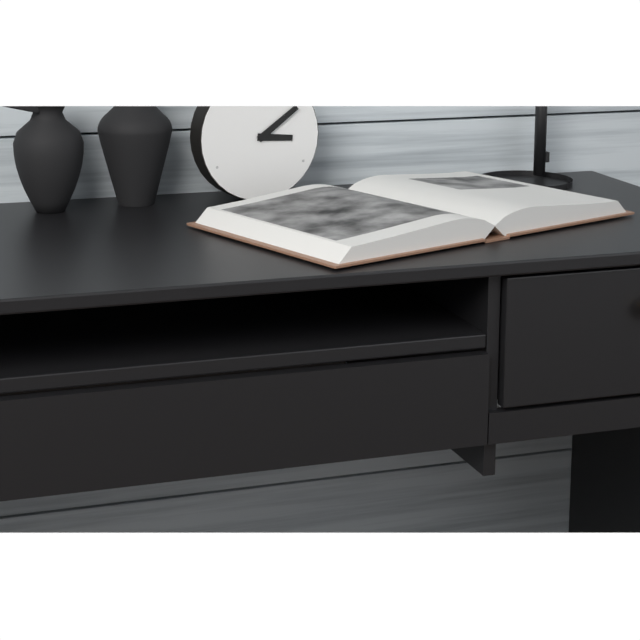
3:09
